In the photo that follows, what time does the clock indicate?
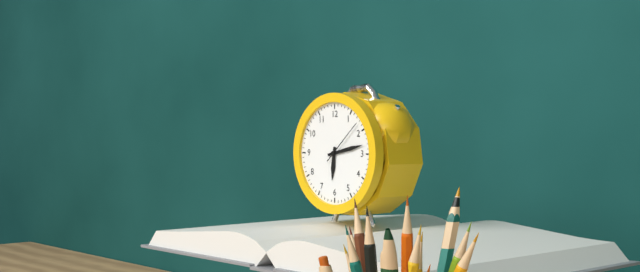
6:13
